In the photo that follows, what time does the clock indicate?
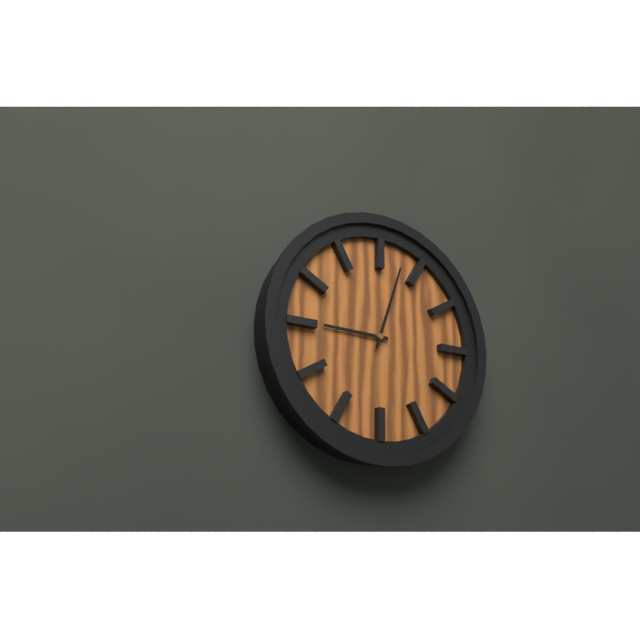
9:03
